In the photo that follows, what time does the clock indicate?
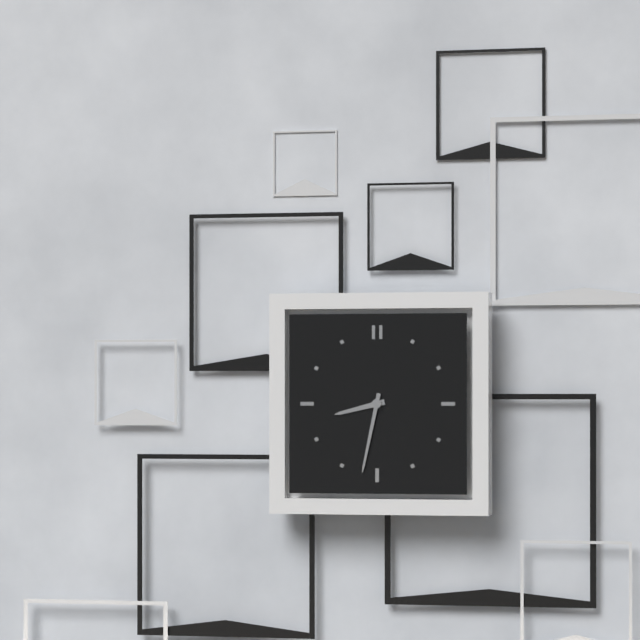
8:32
